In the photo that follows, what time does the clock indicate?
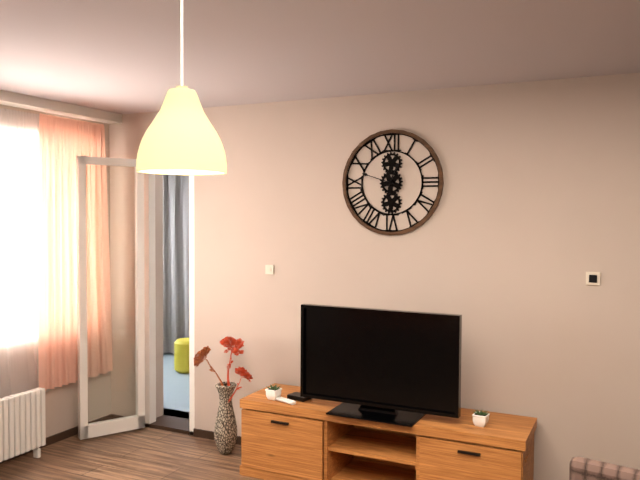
12:48
